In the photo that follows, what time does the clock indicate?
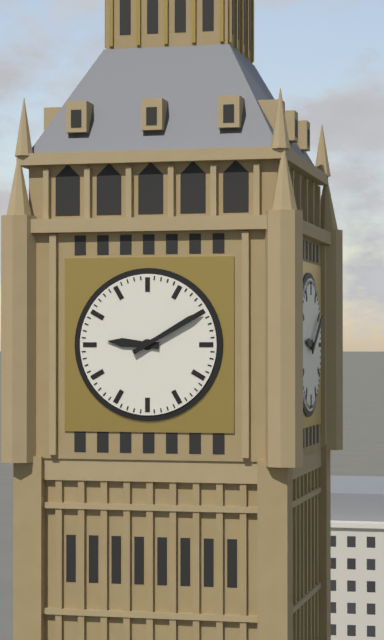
9:10
